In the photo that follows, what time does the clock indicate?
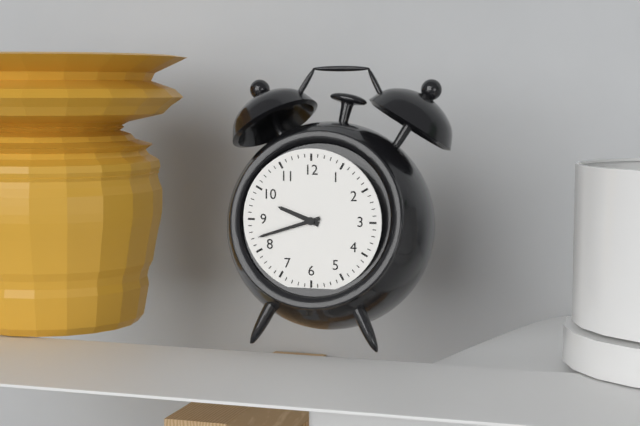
9:42
